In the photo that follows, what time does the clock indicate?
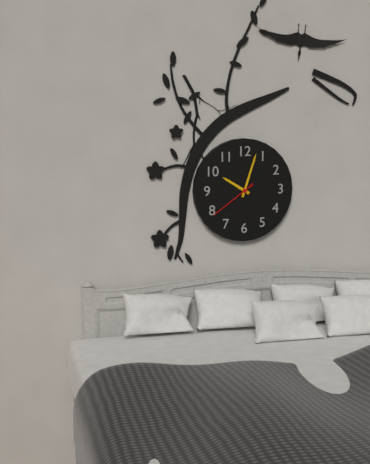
10:03
